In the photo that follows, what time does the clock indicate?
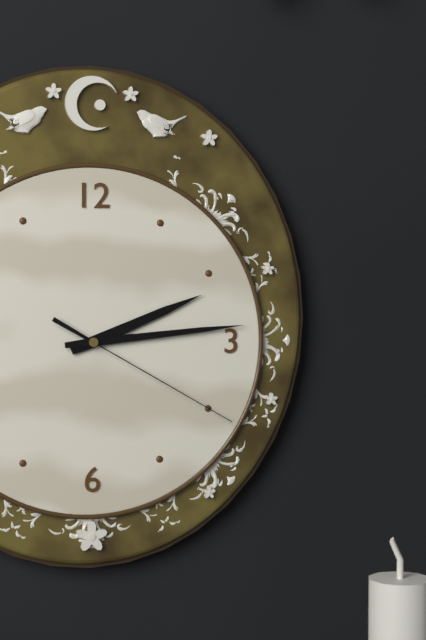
2:14:20
